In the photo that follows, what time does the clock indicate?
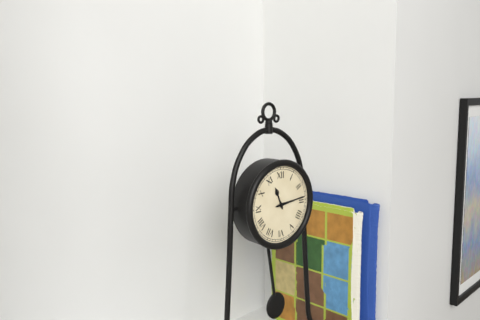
11:14
